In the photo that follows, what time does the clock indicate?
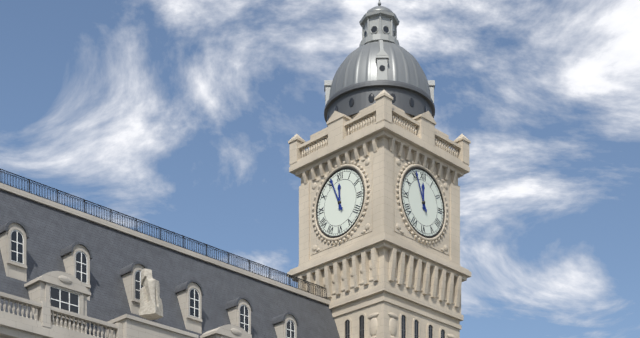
11:56
